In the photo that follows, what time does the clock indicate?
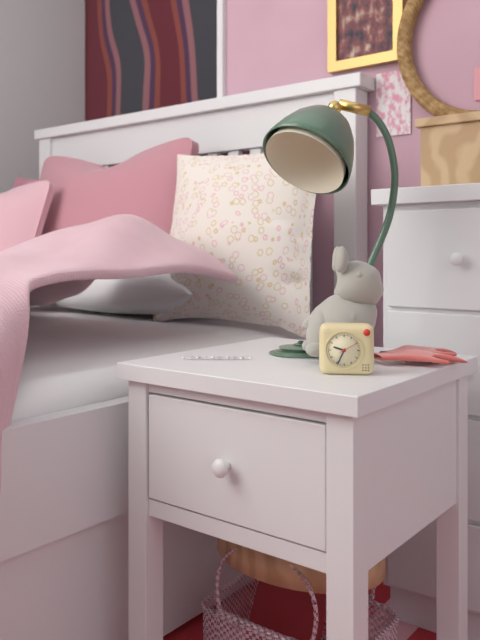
9:34
